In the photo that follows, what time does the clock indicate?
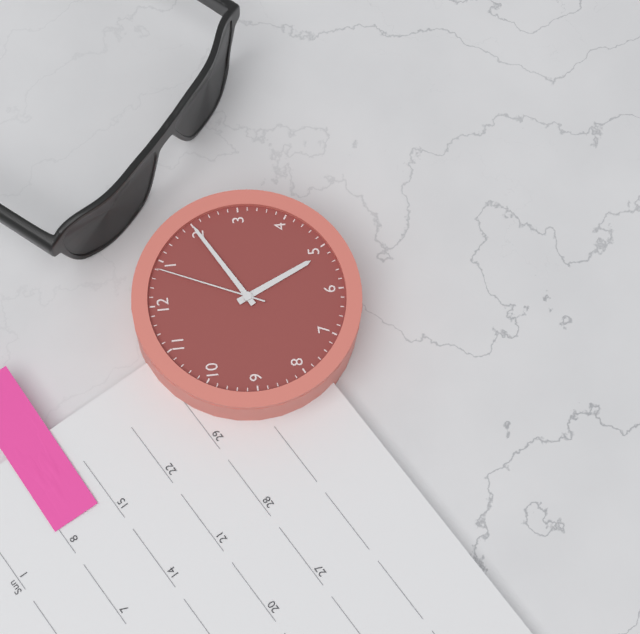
5:10:04
